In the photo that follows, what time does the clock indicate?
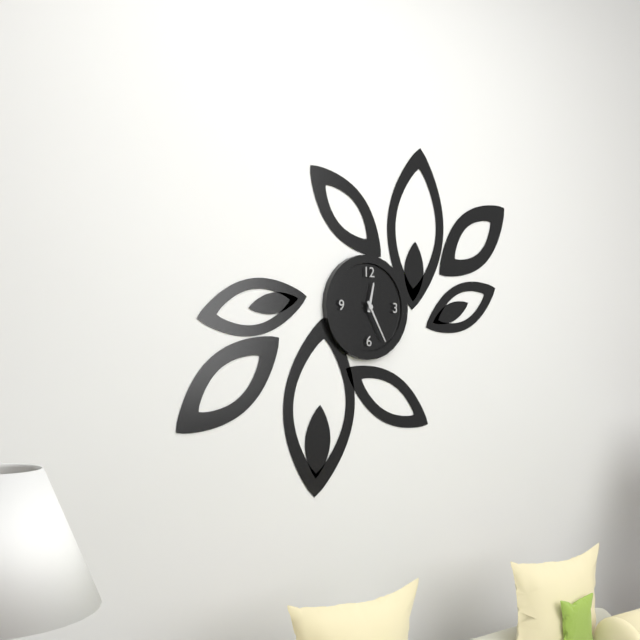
12:25
